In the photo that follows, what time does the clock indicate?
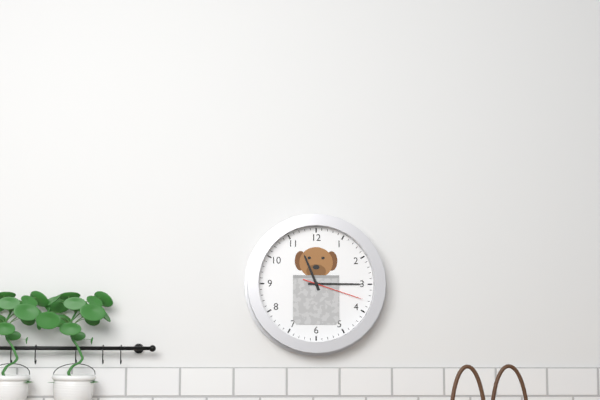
11:15:18
